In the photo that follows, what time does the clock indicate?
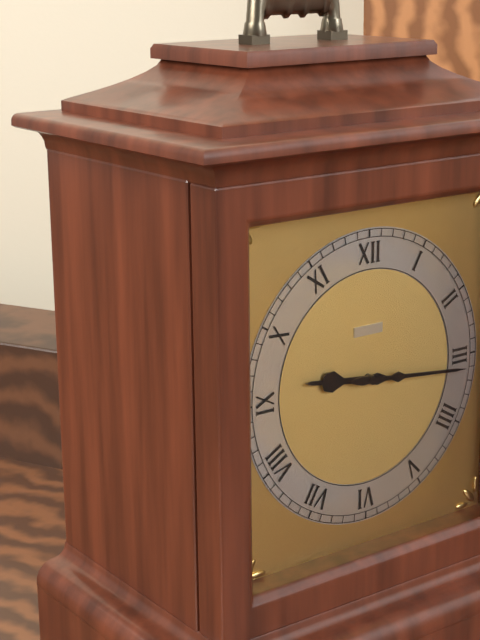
9:16
